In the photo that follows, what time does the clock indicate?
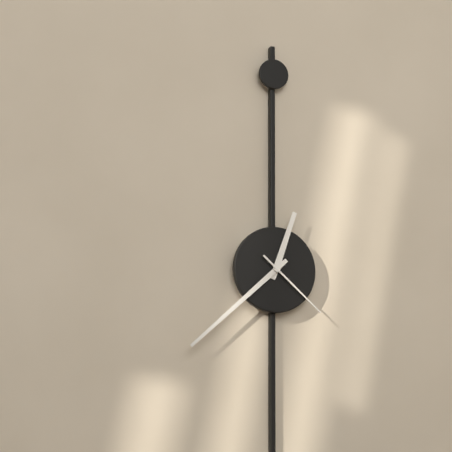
12:38:22
